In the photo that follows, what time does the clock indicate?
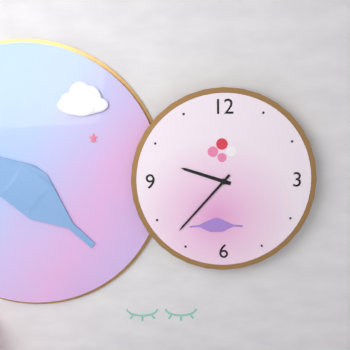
9:37
